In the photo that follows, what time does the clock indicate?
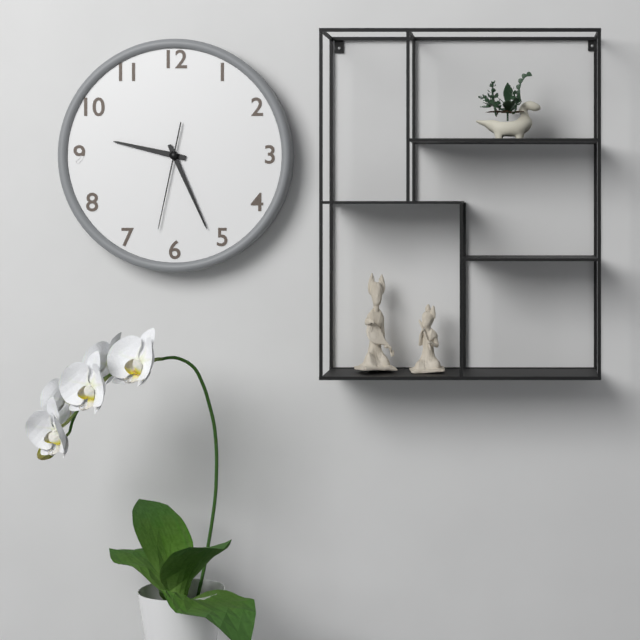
9:26:32
